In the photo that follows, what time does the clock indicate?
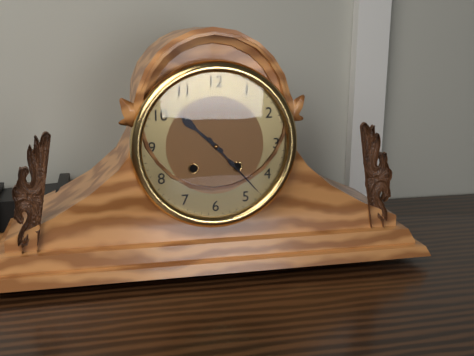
10:23
